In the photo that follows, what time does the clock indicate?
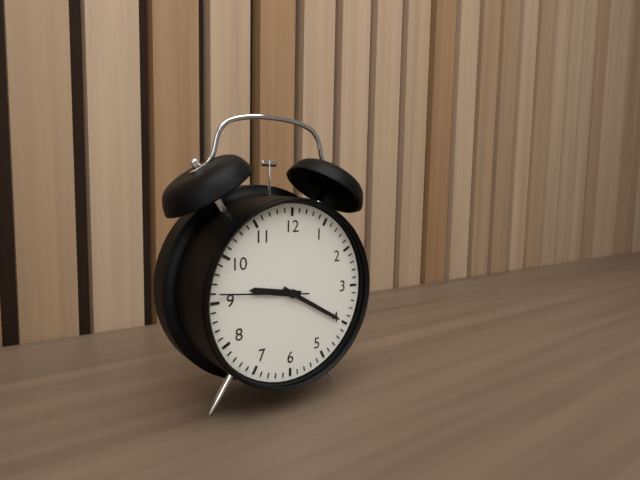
9:20:46
